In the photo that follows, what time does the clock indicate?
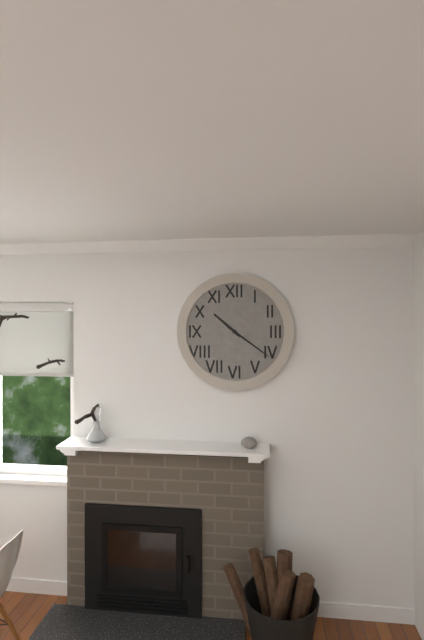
10:21
